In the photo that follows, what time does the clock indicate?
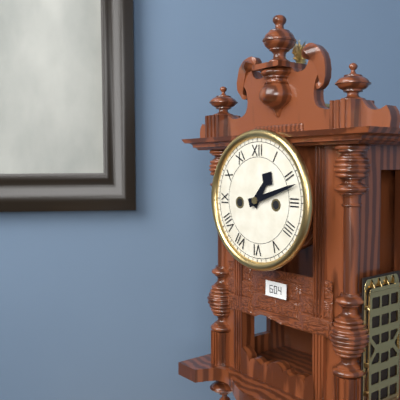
1:12
